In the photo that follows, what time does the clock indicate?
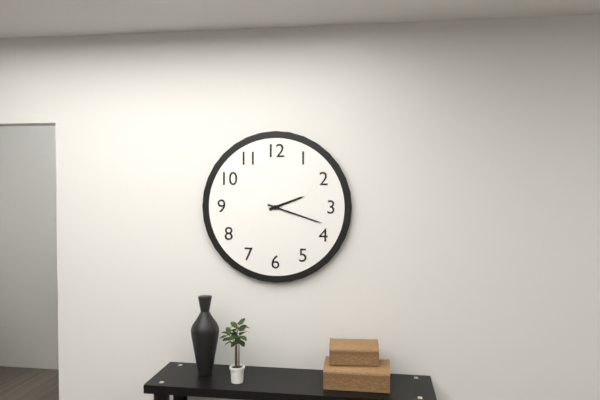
2:18
